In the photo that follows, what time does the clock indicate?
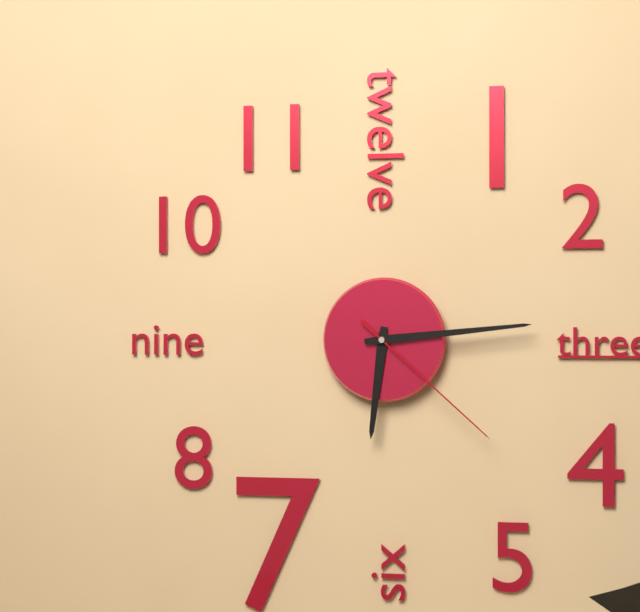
6:14:22
